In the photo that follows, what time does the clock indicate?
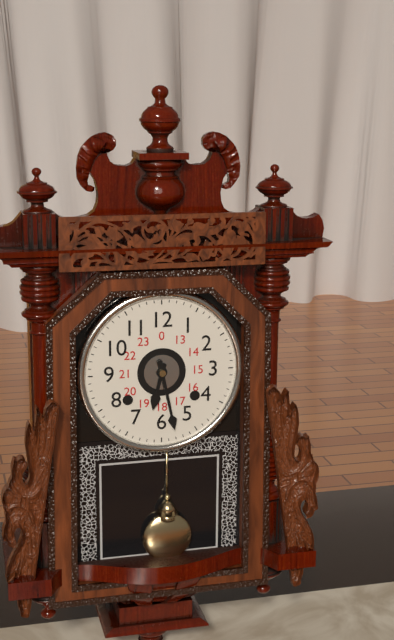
6:28
